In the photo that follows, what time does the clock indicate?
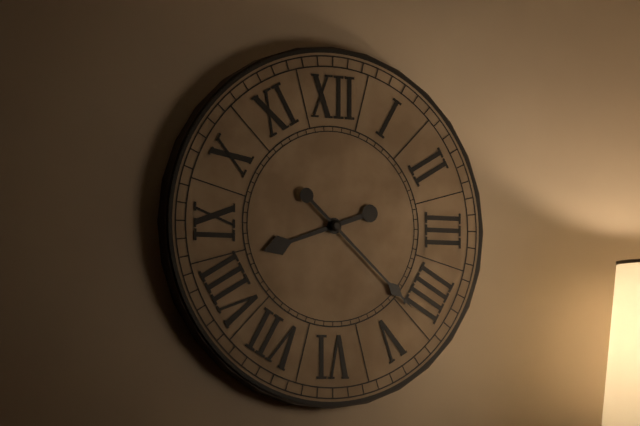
8:22
